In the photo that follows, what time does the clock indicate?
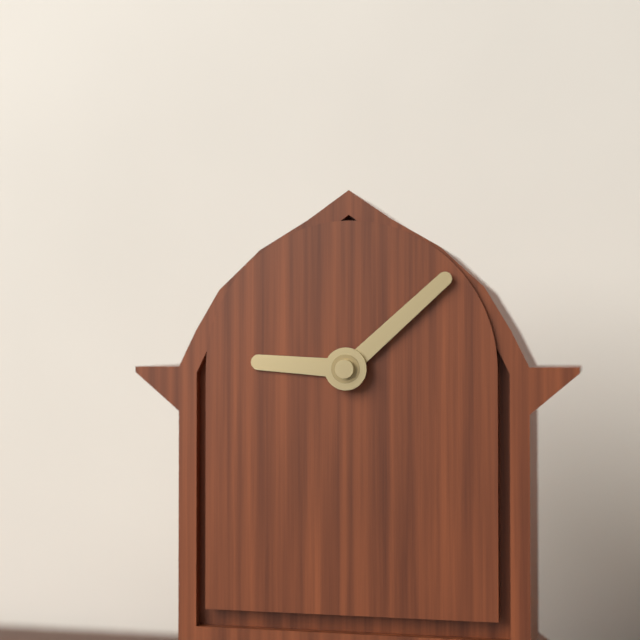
9:08
